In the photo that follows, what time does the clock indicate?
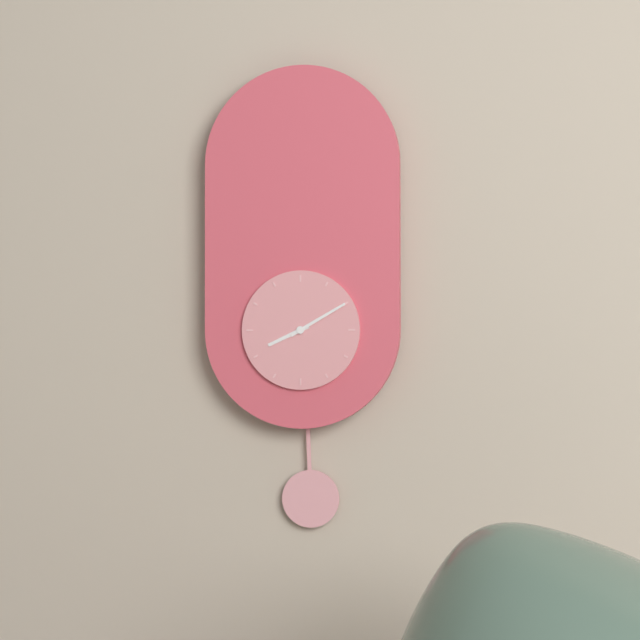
8:10
